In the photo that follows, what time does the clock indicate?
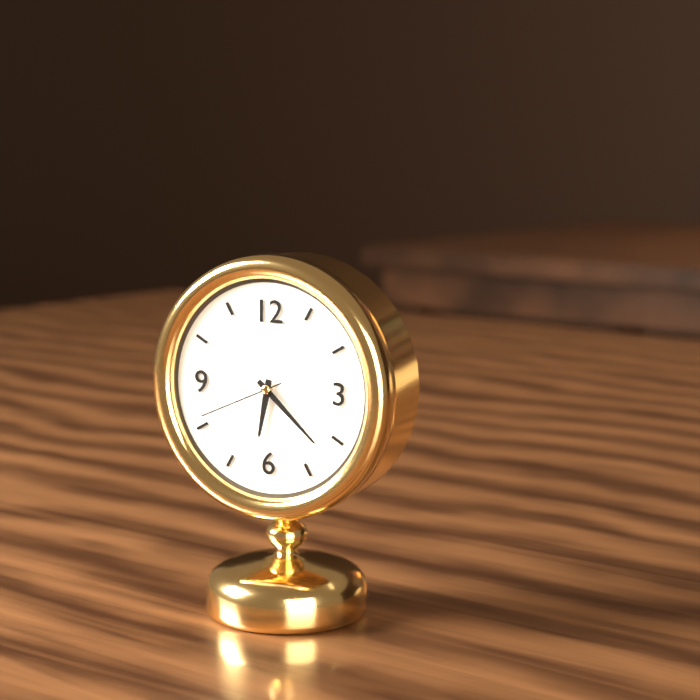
6:22:41
